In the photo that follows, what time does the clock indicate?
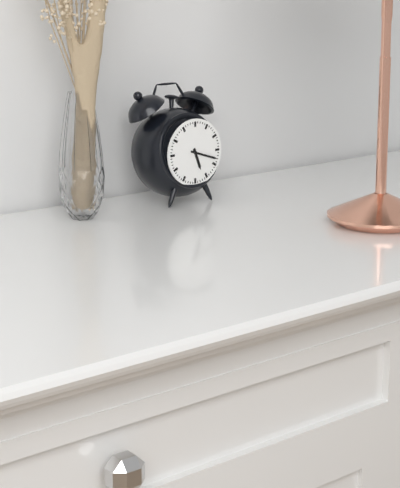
5:18
